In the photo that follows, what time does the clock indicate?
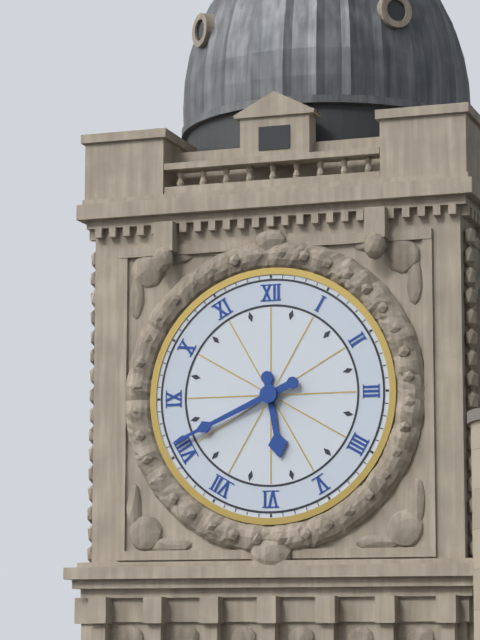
5:41
